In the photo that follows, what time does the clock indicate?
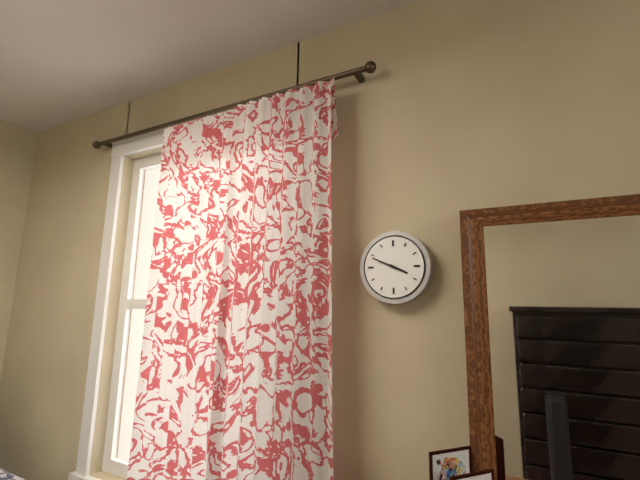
3:49
